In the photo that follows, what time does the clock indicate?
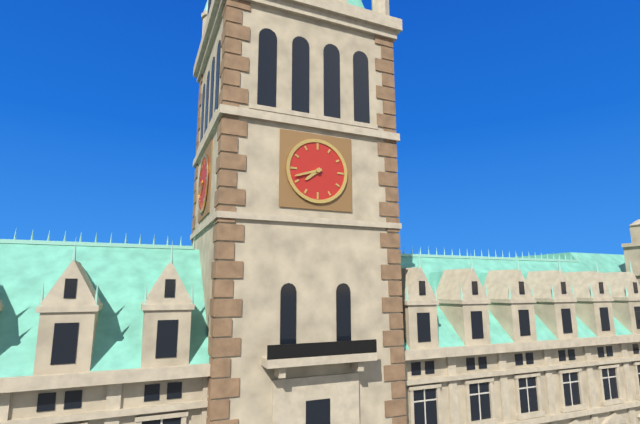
7:42
